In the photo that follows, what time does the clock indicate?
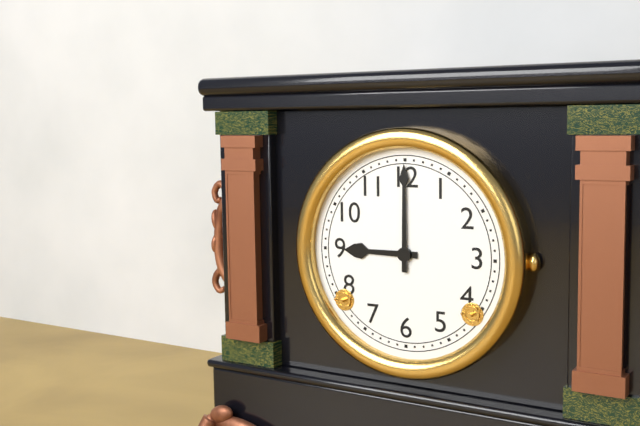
9:00
